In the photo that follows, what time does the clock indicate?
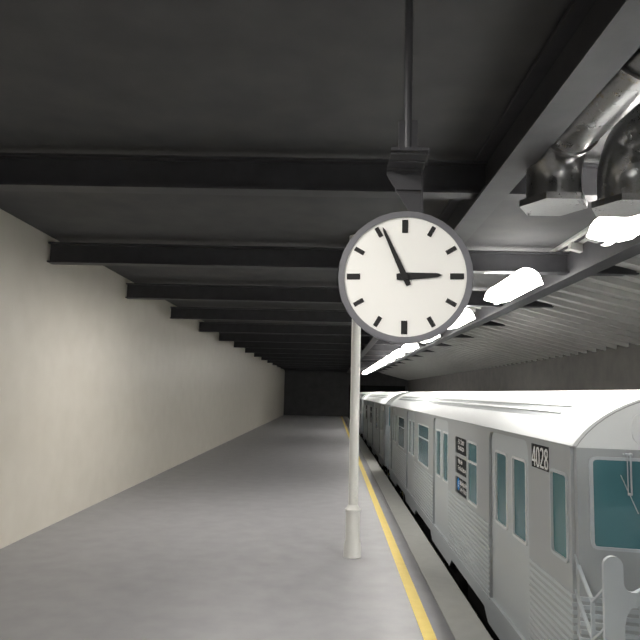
2:56
